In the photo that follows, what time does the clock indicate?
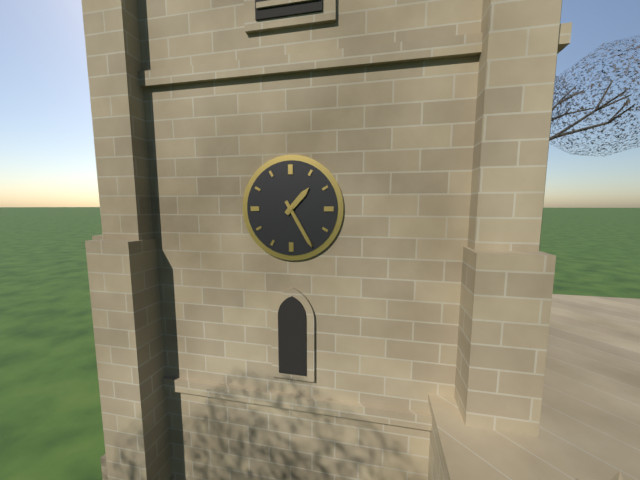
1:25
